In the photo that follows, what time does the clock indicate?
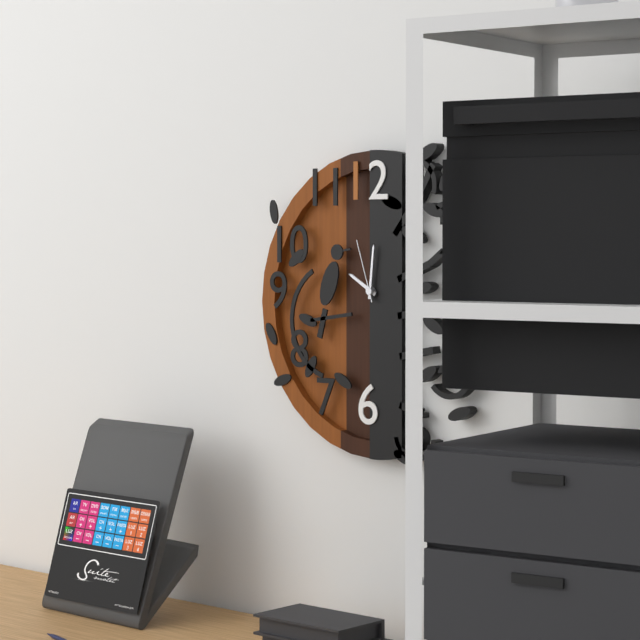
10:01:57
